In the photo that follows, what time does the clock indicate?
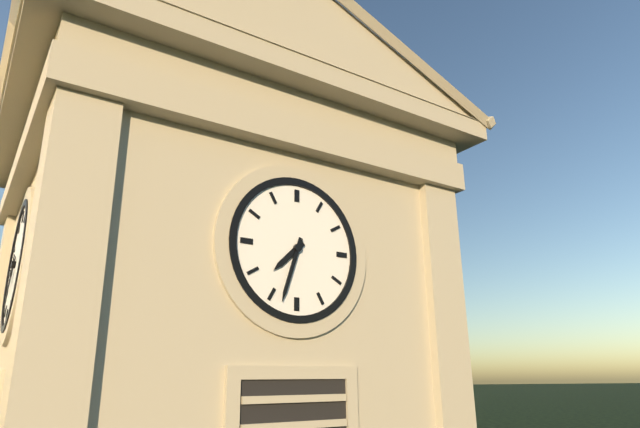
7:33
